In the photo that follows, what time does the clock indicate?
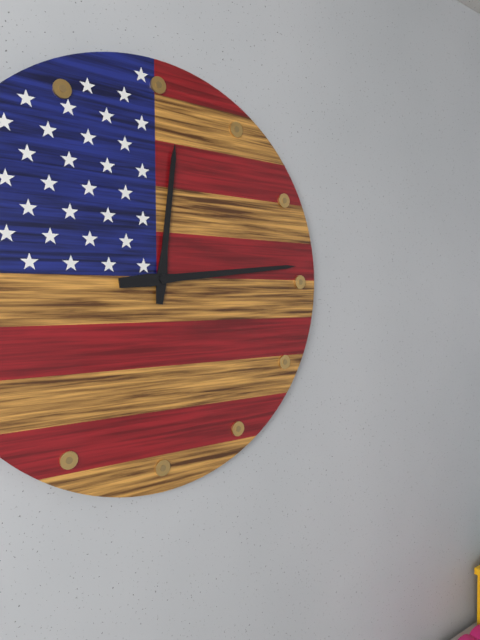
12:14
